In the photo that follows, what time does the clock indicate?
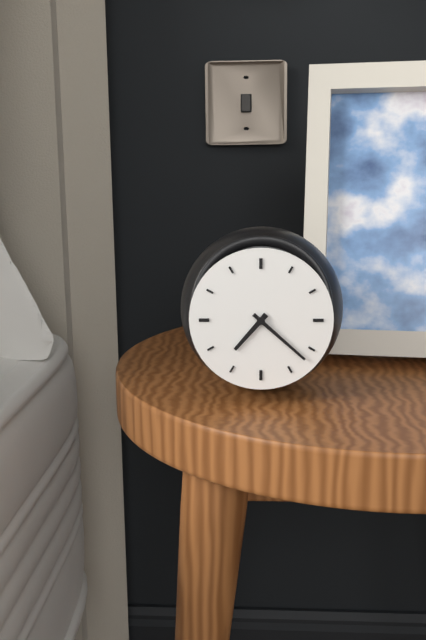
7:22
